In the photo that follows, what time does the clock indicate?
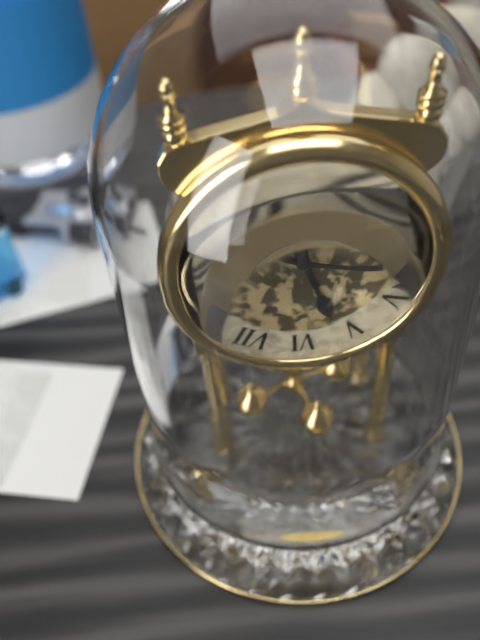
5:17
